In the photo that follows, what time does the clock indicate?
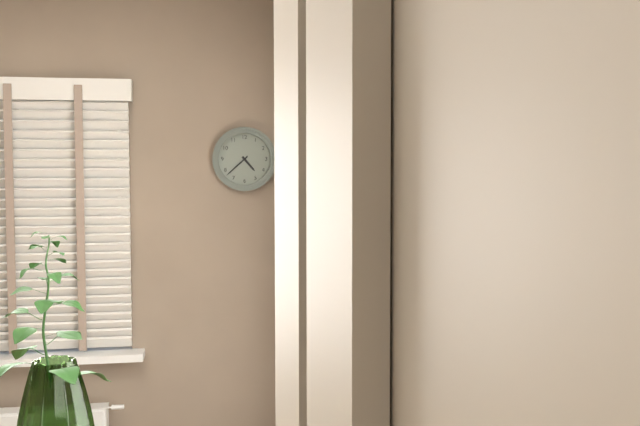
4:38
